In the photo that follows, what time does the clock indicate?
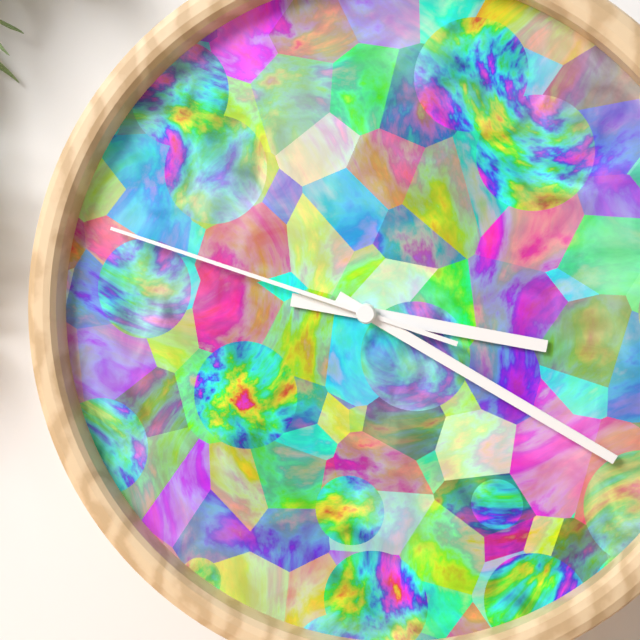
3:20:48
